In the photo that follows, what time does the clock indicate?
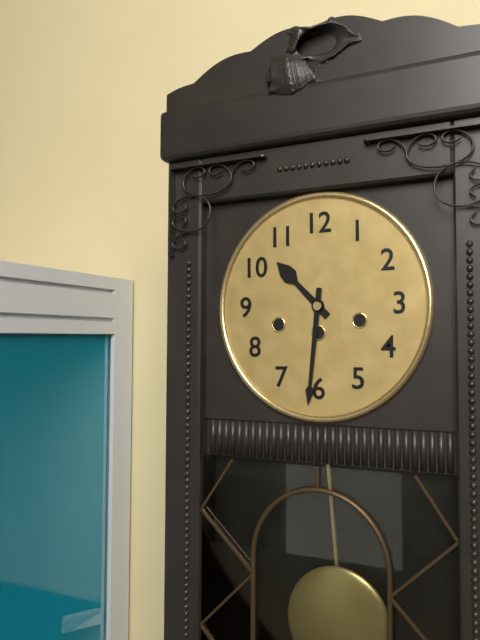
10:31
